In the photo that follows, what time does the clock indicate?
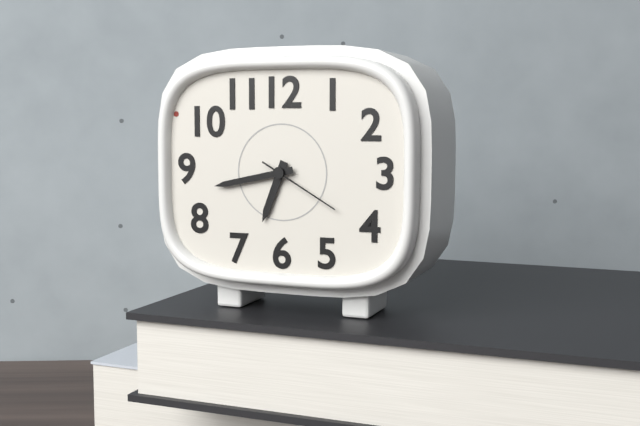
6:43:20
